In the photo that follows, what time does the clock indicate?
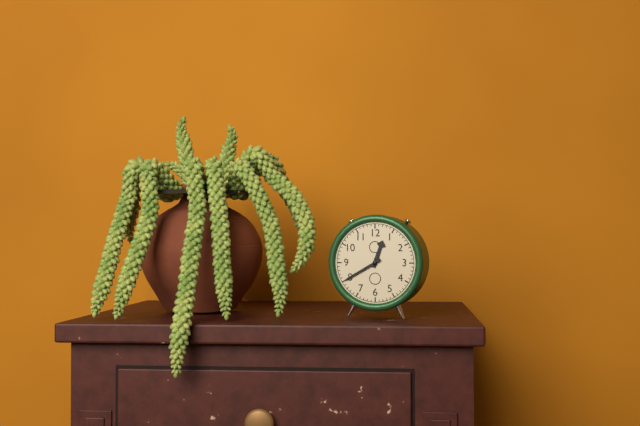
12:40
